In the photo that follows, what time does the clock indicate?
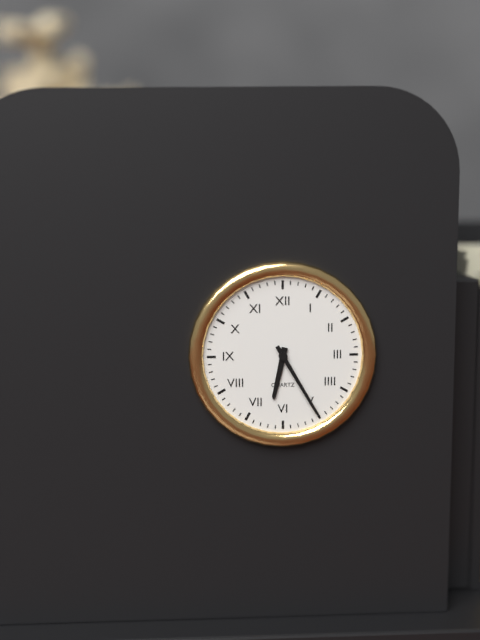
6:25
